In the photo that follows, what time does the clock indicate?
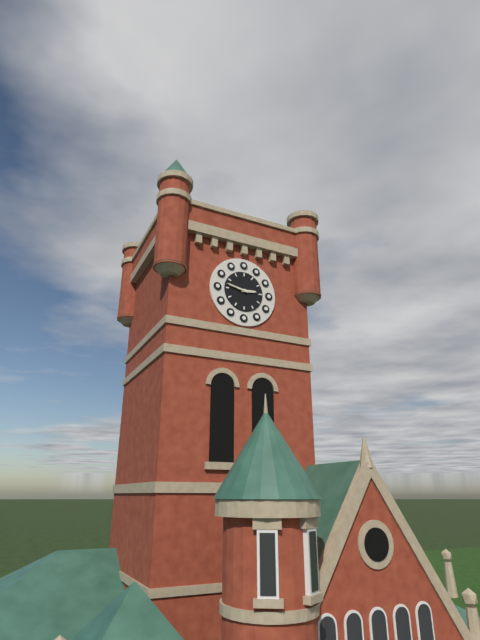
2:47
